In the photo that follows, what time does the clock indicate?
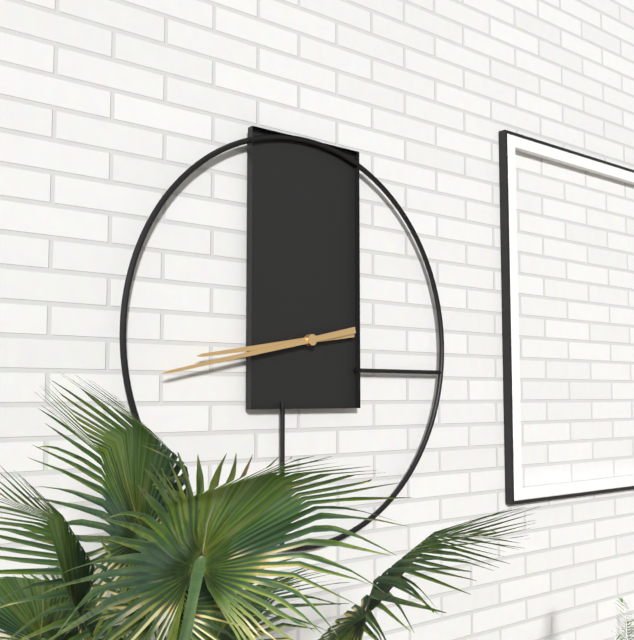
8:43
